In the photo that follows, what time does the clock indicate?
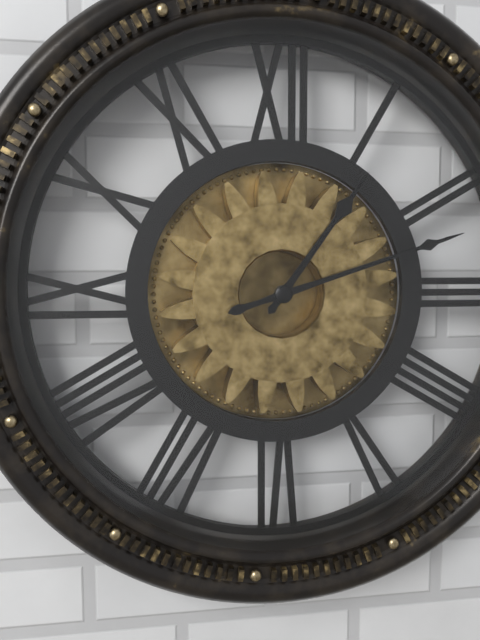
1:12
